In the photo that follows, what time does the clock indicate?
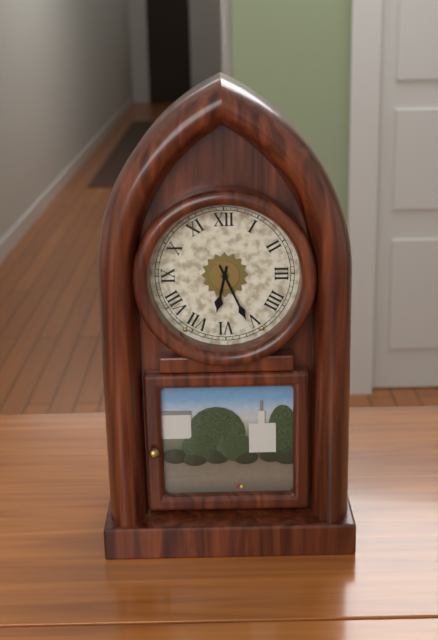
6:26
